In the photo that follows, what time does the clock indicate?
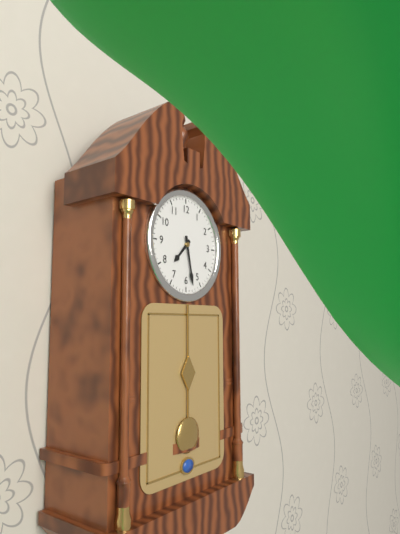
7:28
